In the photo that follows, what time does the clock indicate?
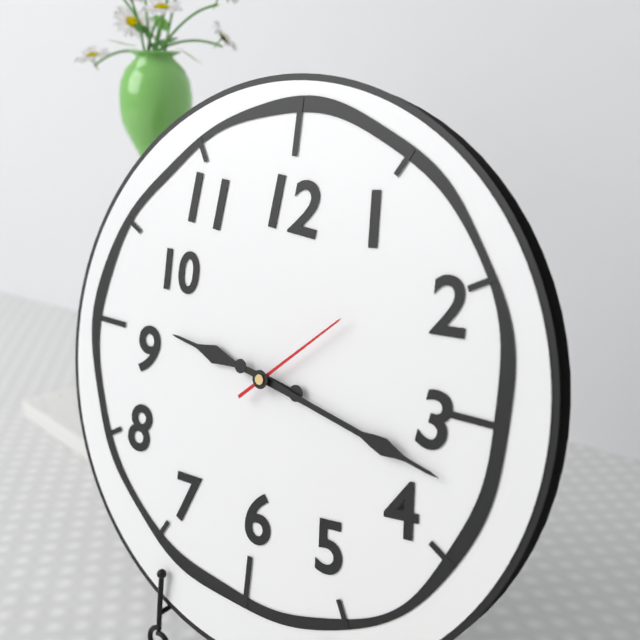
9:17:08
